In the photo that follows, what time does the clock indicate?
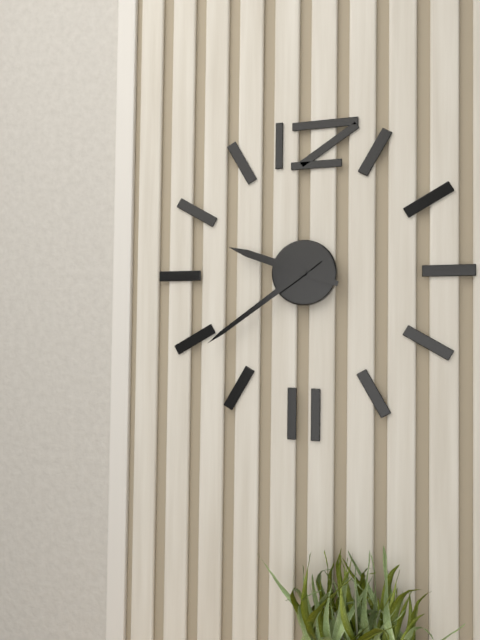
9:39
